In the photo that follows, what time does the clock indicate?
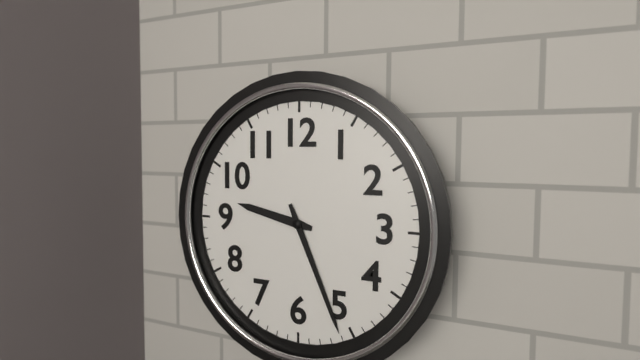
9:26
